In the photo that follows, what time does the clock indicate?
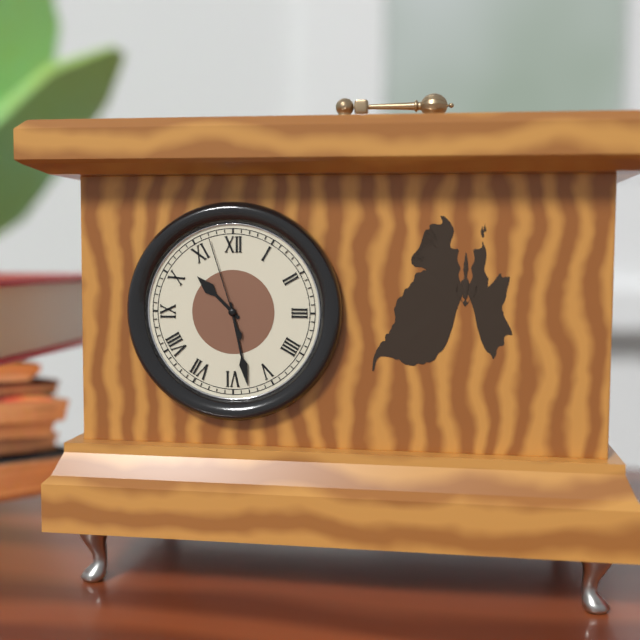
10:28:57
